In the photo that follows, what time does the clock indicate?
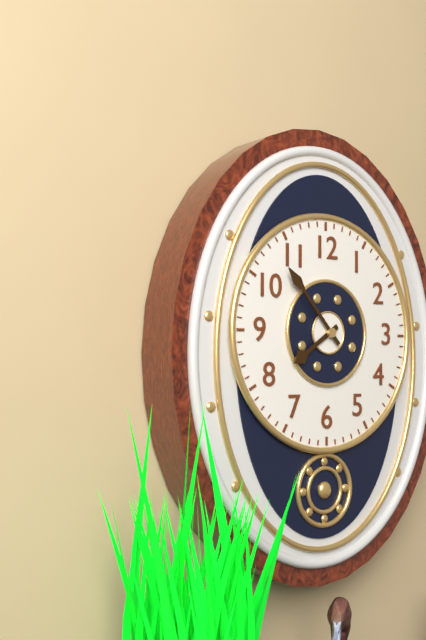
7:53
